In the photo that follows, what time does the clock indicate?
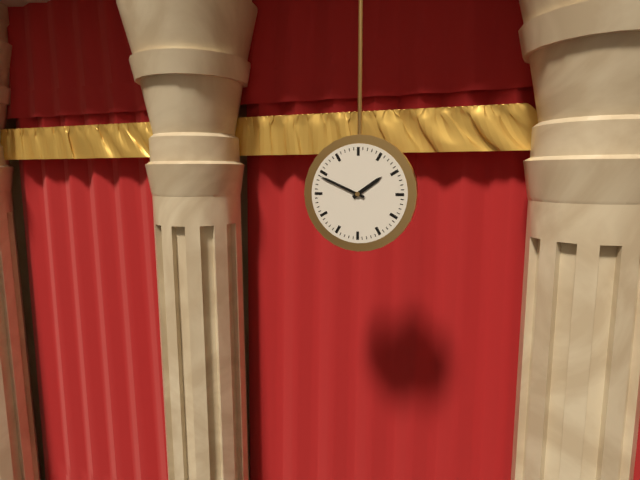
1:49
